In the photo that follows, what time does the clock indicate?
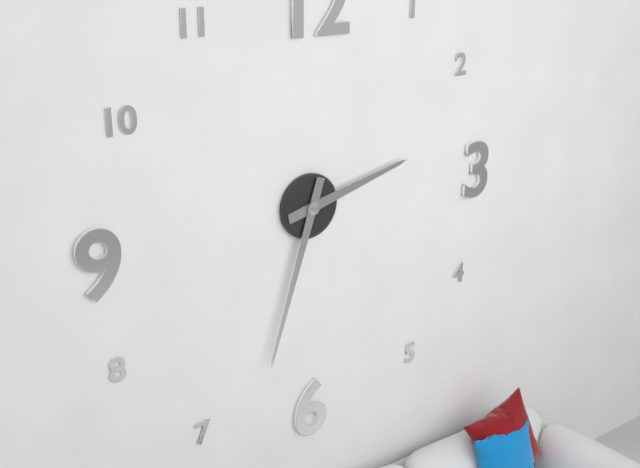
2:33
